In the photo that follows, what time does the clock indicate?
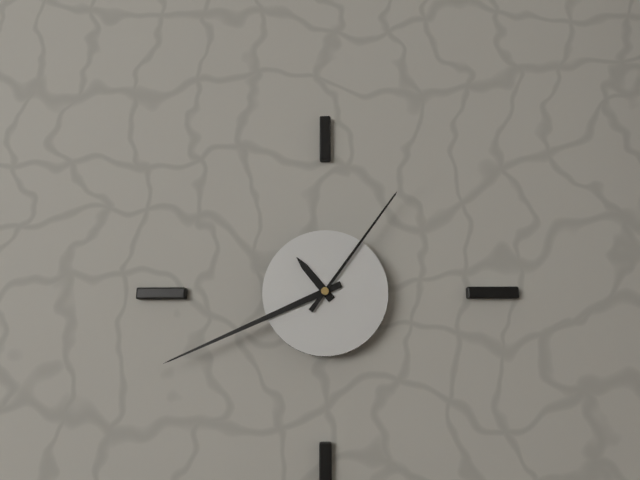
10:41:06
